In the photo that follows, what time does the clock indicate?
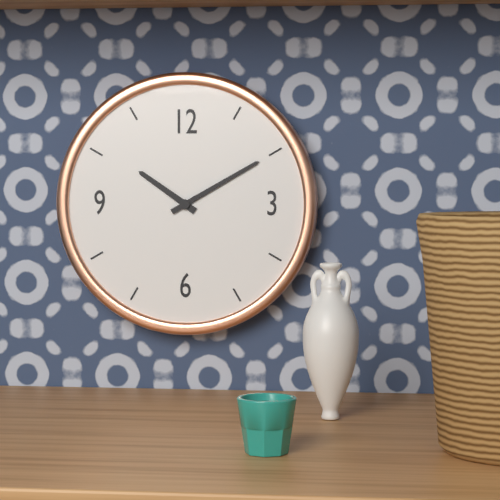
10:10
